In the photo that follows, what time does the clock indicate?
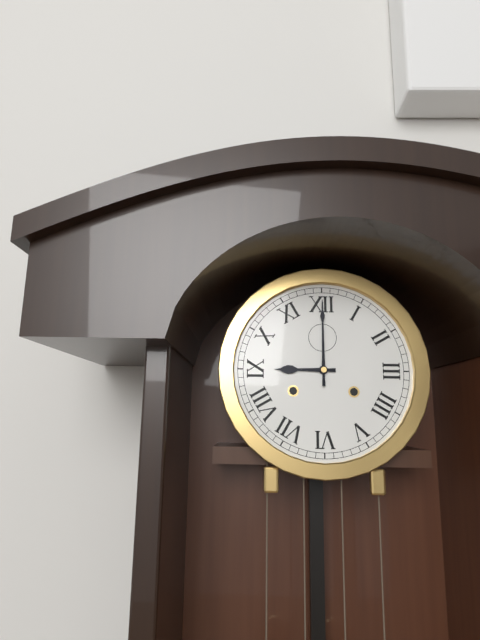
9:00
